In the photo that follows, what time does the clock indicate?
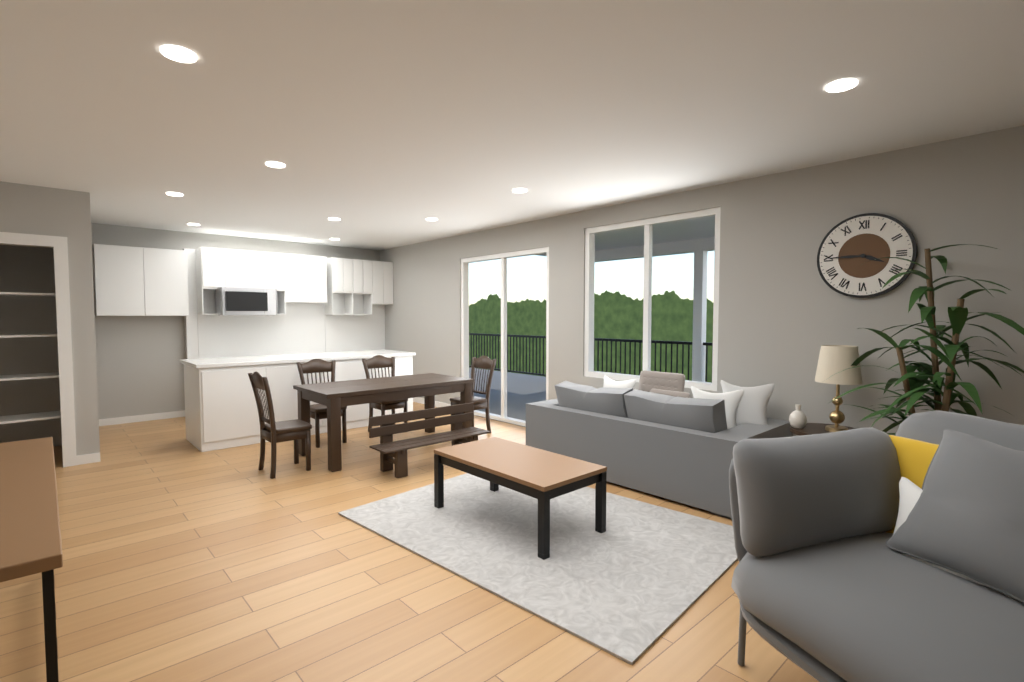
3:45
